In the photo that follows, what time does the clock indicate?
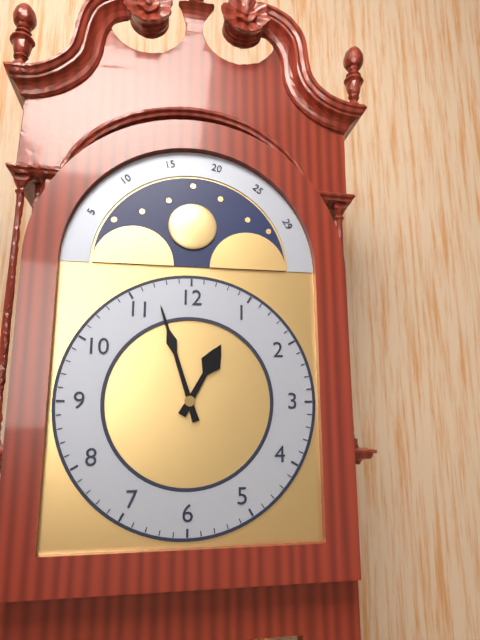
12:57
